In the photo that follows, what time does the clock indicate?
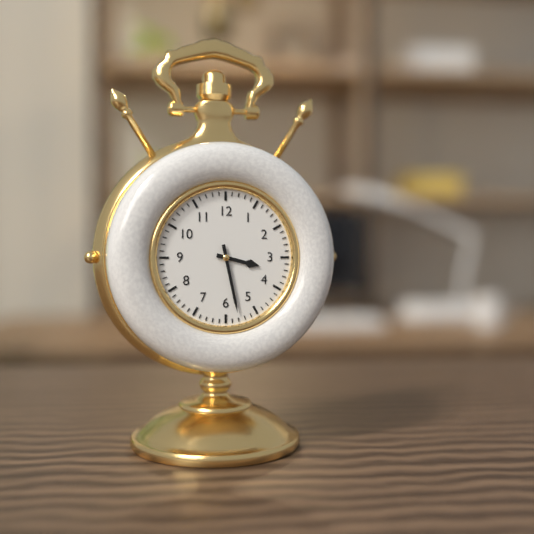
3:28
